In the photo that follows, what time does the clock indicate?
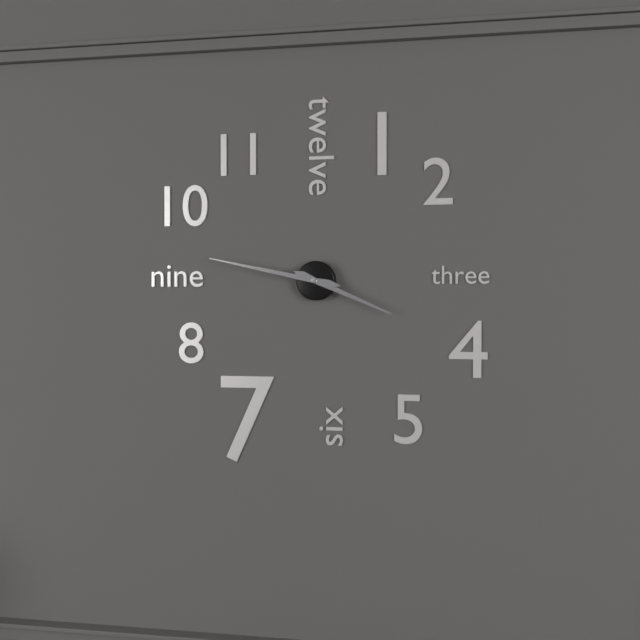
3:47
